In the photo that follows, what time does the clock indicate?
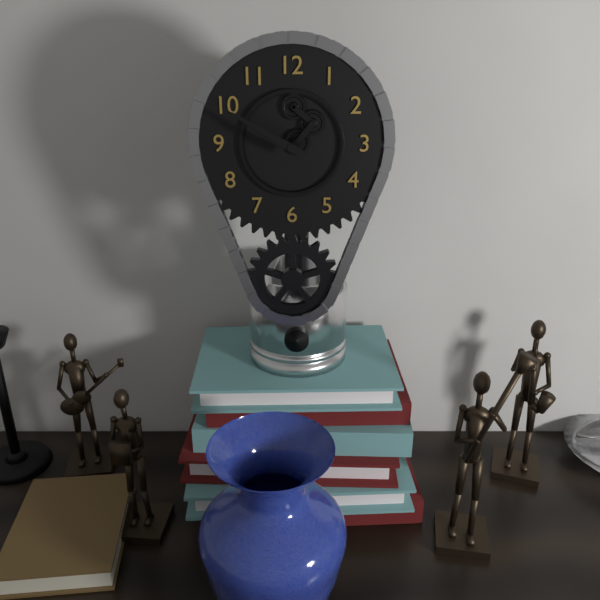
9:50
